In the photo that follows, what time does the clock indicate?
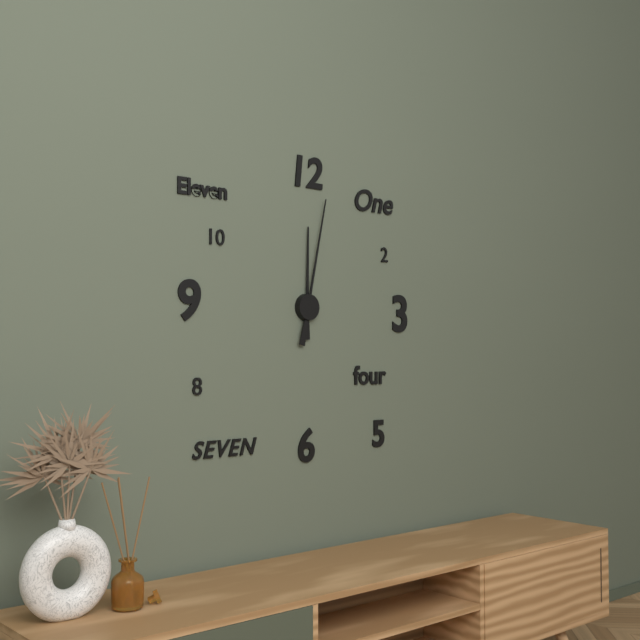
12:02
